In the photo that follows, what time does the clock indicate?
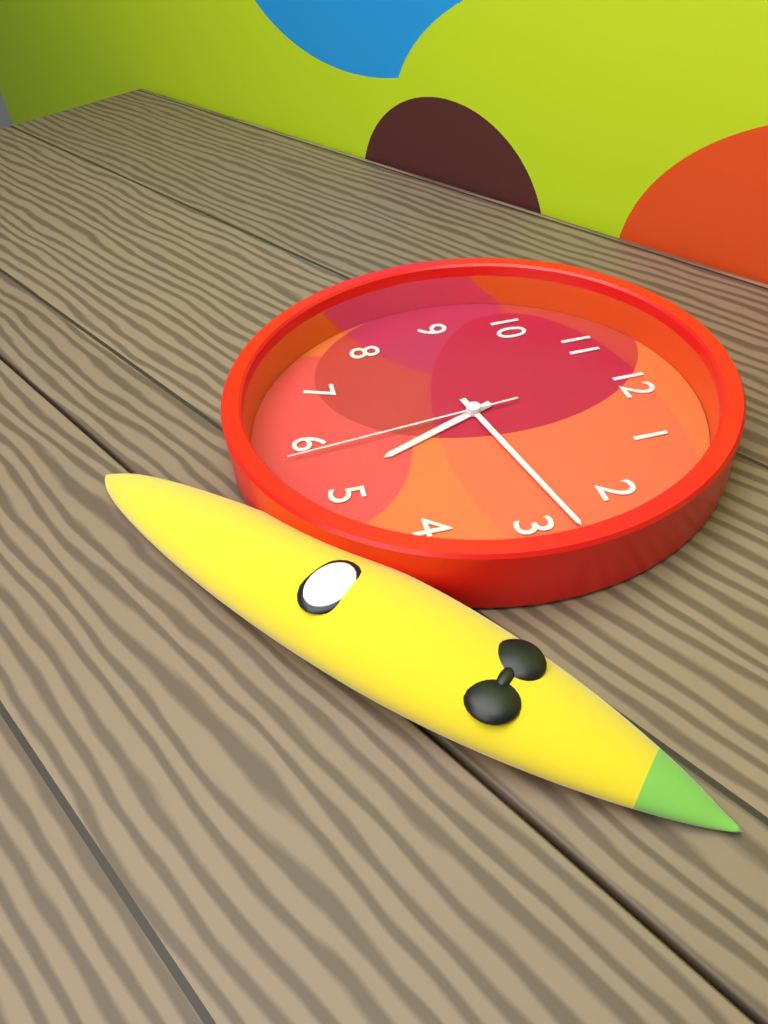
5:13:29
